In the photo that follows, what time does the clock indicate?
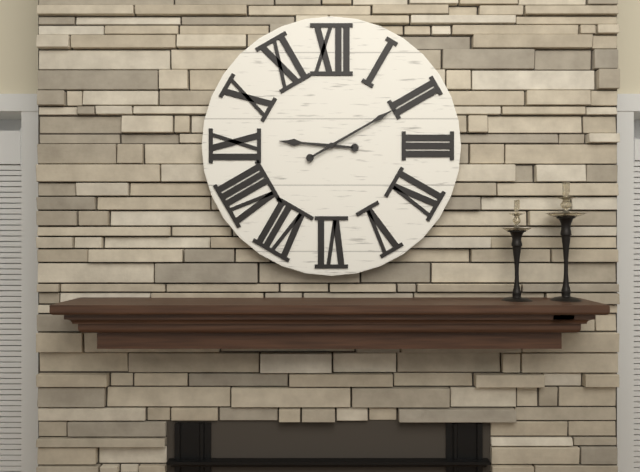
9:10
